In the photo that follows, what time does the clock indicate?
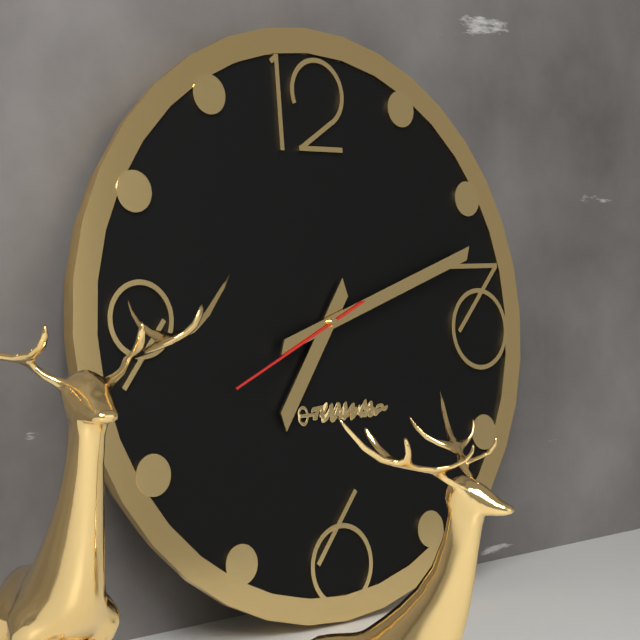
7:12:41
